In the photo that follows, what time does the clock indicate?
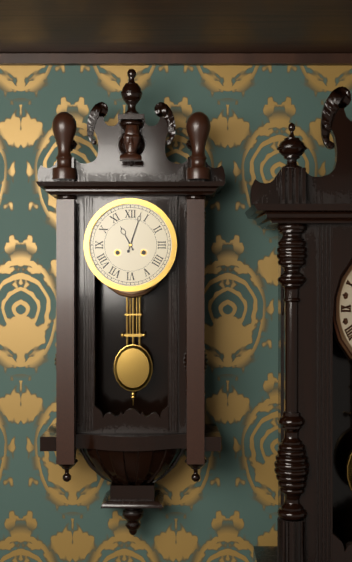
11:03
